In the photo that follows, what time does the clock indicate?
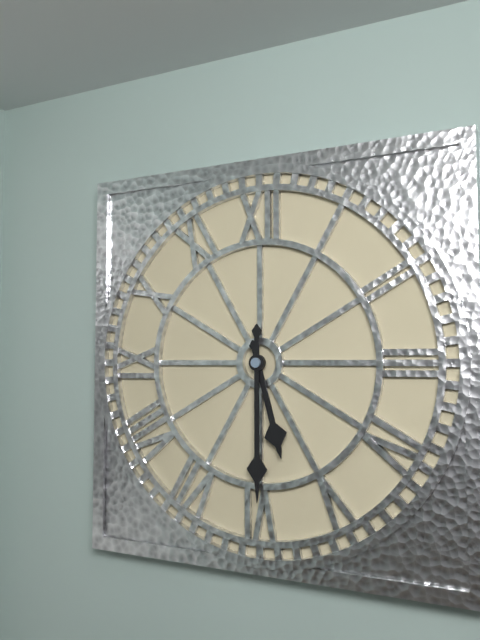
5:30
